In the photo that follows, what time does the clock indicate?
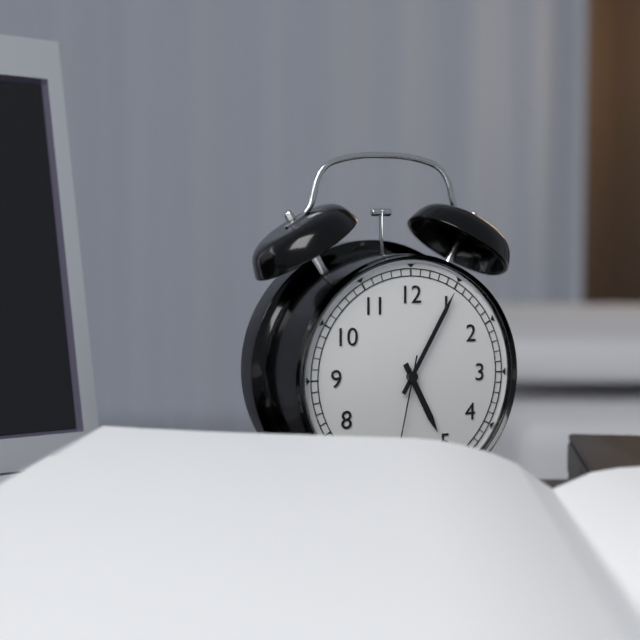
5:05:32
